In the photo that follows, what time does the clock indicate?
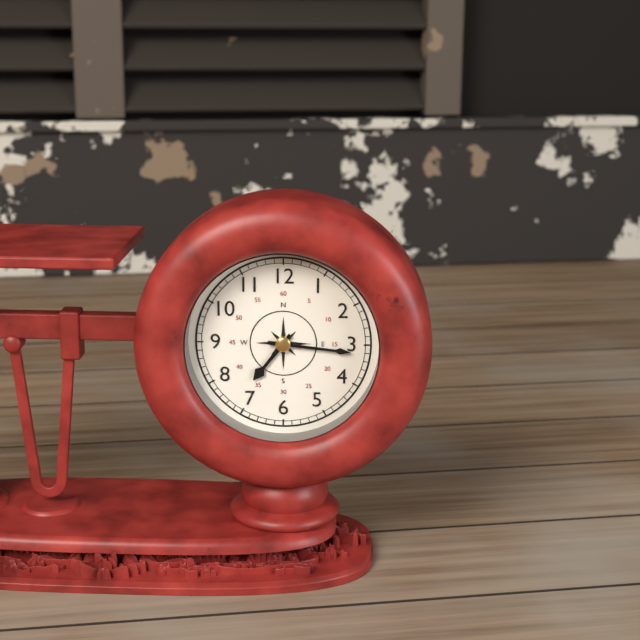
7:16
